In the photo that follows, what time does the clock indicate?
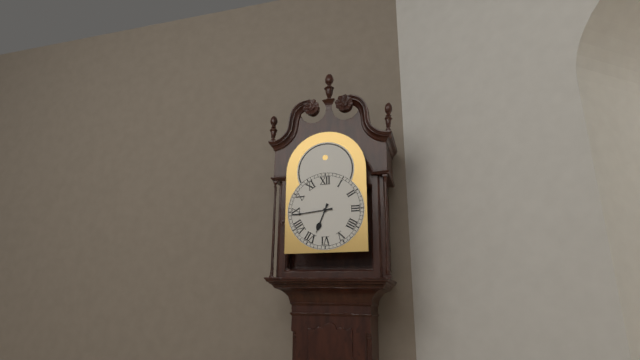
6:44
